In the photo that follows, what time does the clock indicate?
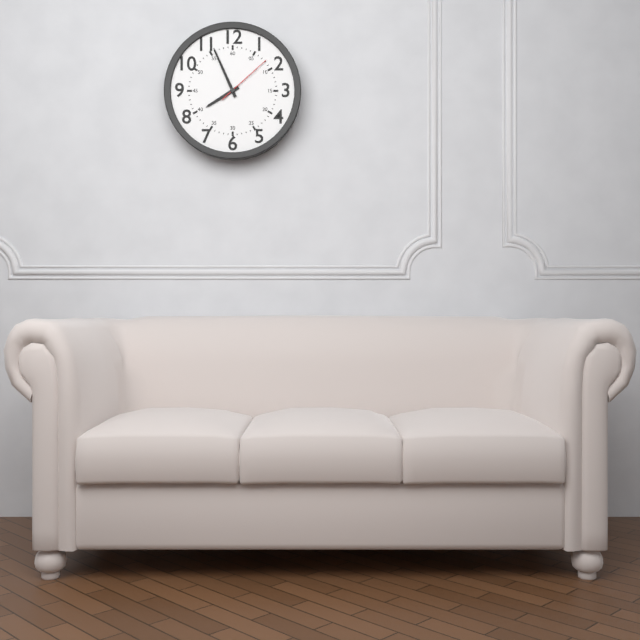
7:56:08
